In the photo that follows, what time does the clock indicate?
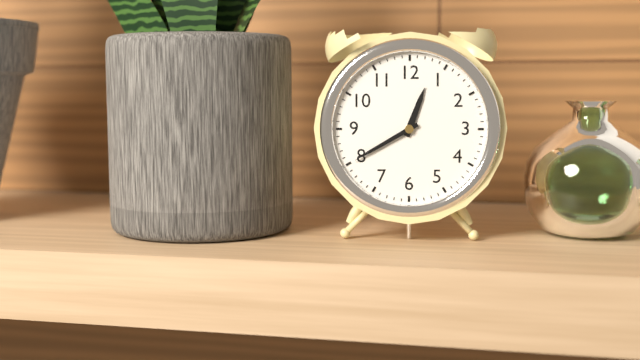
12:40
